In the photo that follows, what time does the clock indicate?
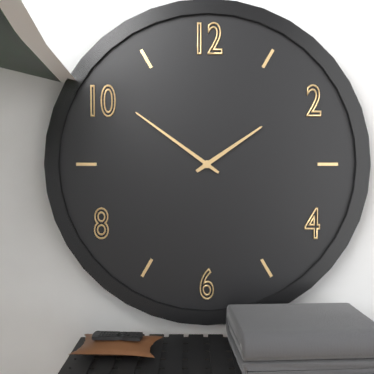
1:51
